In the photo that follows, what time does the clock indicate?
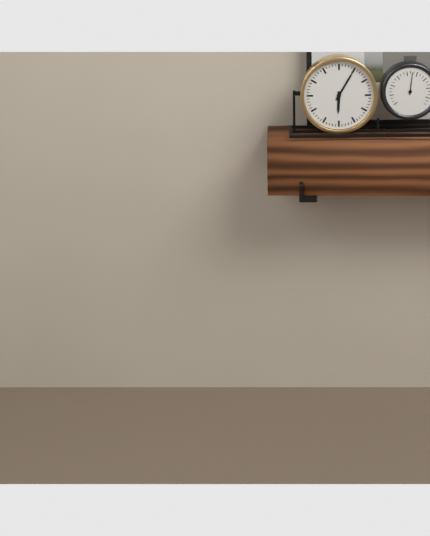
6:05
